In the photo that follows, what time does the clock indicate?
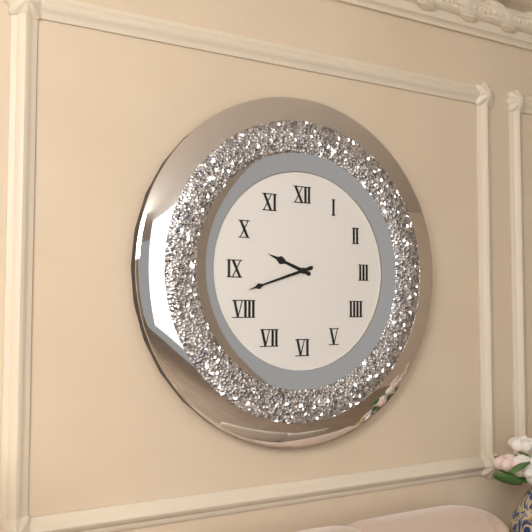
9:42
